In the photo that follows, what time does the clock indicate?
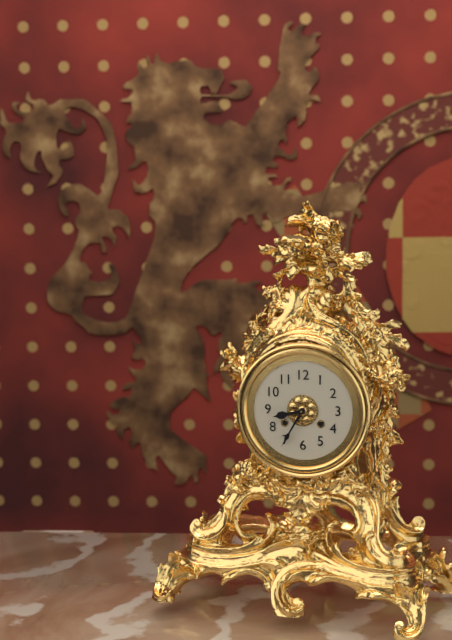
8:35
